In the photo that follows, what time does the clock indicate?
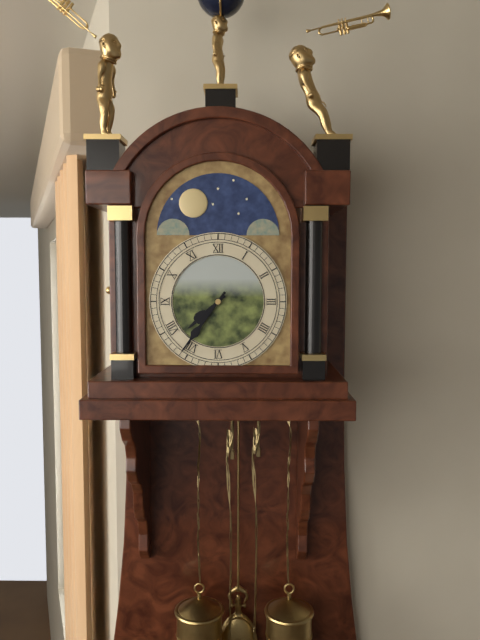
7:36
